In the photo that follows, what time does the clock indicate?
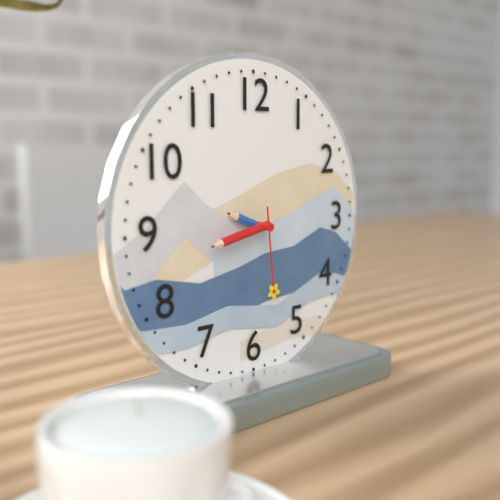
9:43:29
